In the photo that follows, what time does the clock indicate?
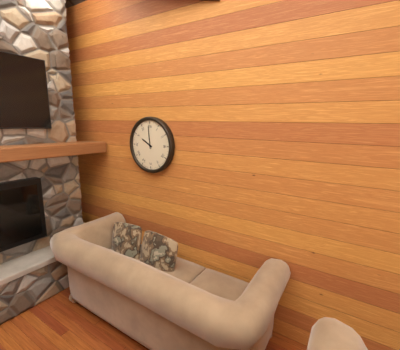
9:59
